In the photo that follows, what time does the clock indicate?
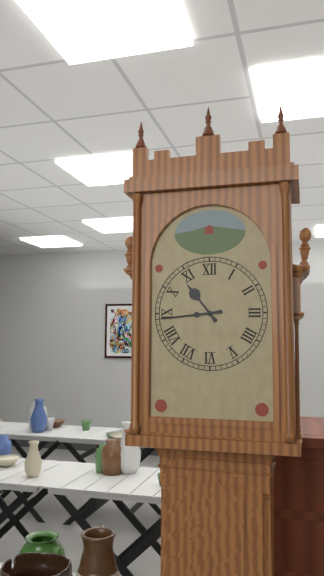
10:44
